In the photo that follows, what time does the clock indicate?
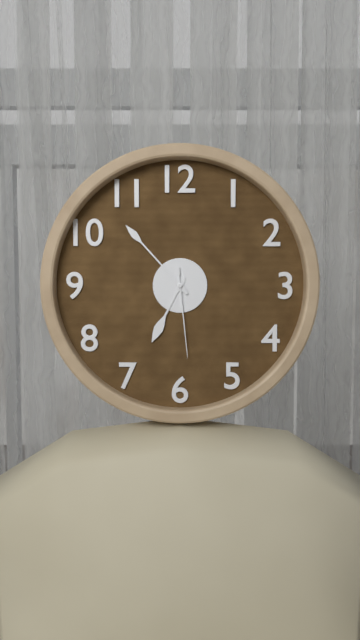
6:53:29
